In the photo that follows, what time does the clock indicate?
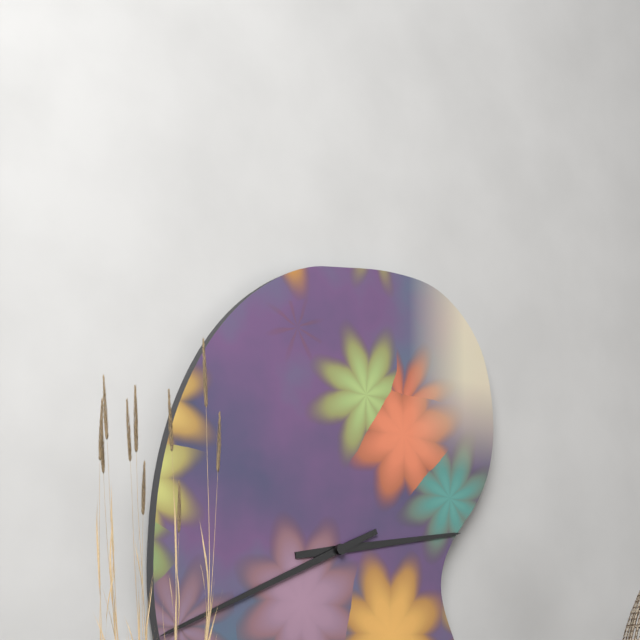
2:41
